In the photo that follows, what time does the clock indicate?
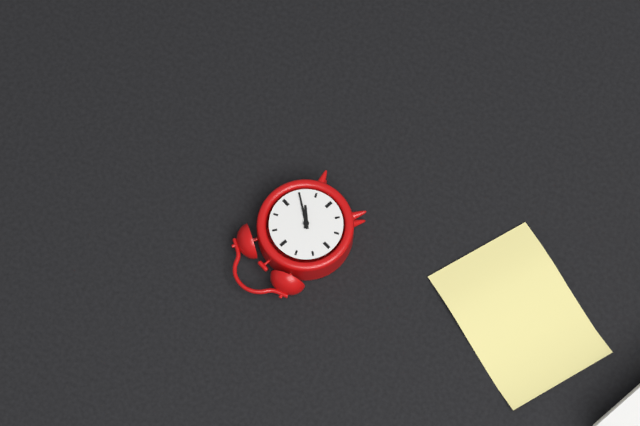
4:20
